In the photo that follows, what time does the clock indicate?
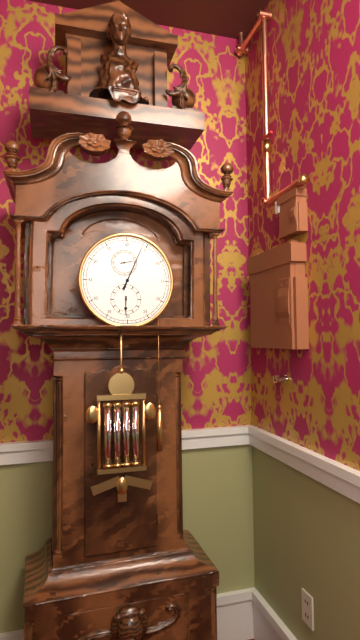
6:04
